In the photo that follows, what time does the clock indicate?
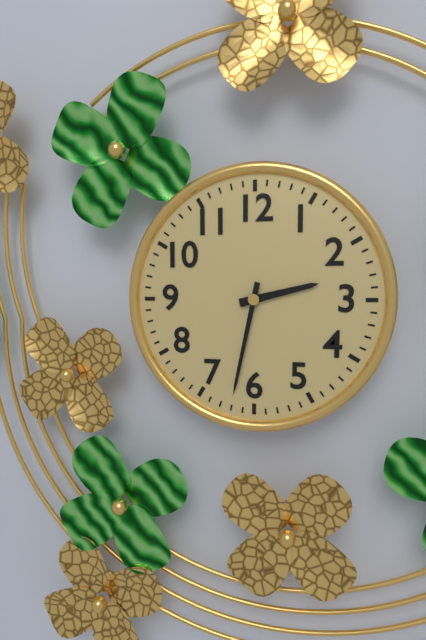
2:32
